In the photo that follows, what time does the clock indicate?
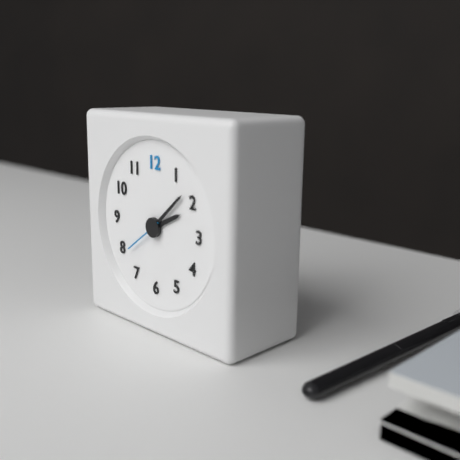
2:08:39
